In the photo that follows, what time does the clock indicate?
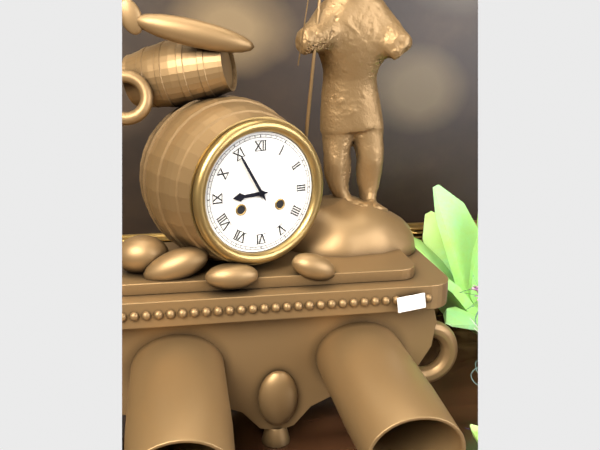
8:55
